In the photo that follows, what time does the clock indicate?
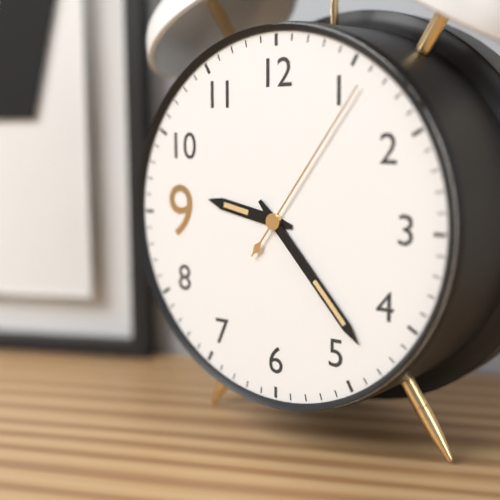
9:23:06
